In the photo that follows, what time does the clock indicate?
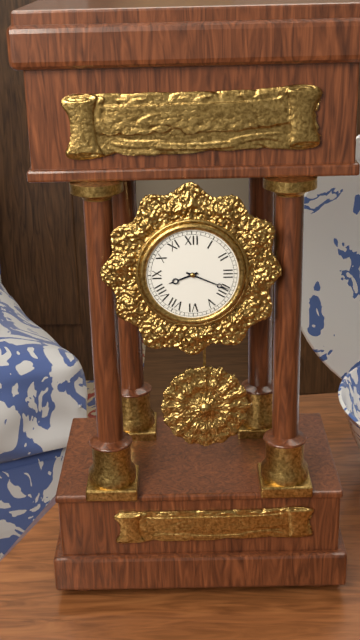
8:19
